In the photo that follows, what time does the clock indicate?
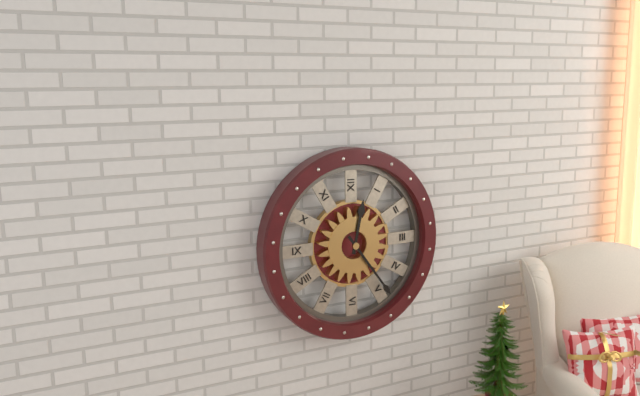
12:24
